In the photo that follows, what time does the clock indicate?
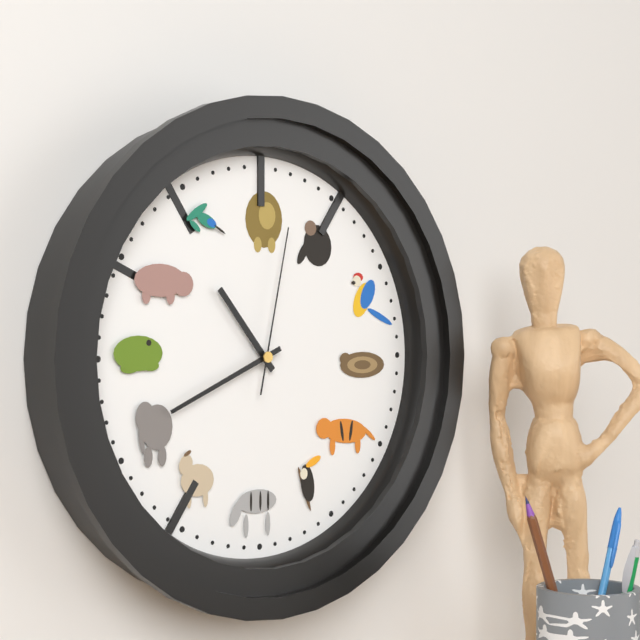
10:41:02
